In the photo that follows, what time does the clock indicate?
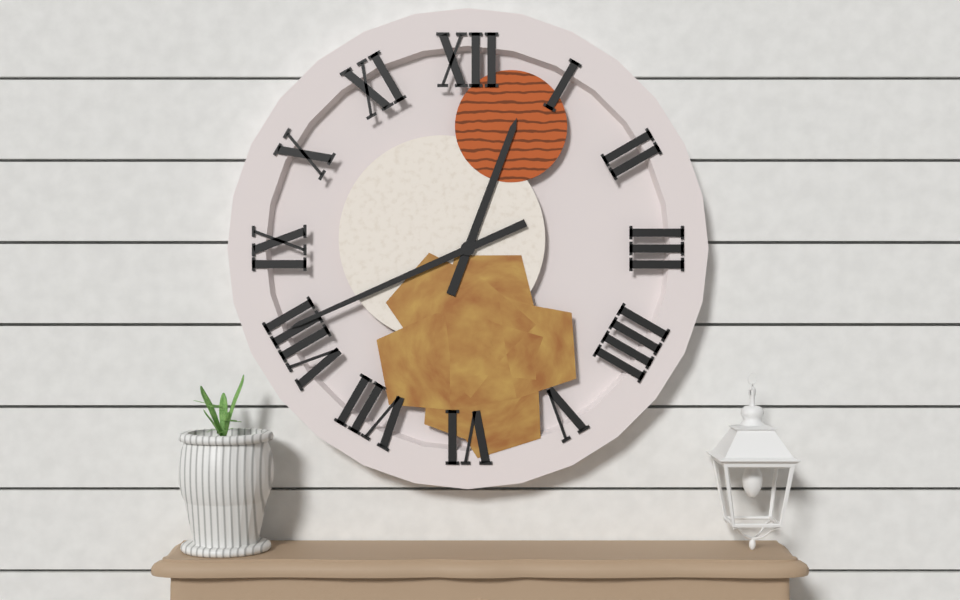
12:41
